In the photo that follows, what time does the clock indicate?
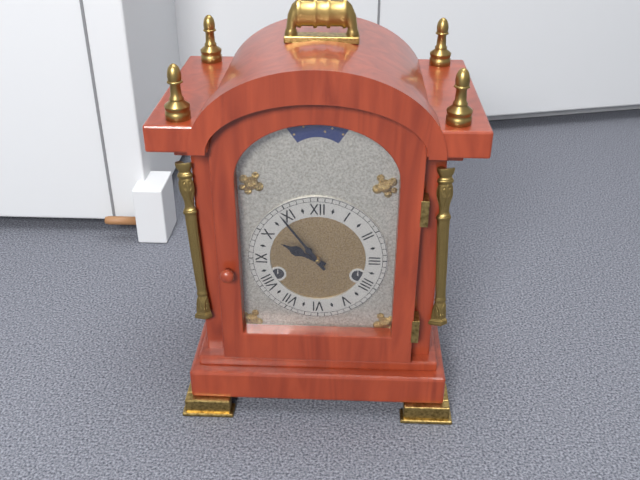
9:54
